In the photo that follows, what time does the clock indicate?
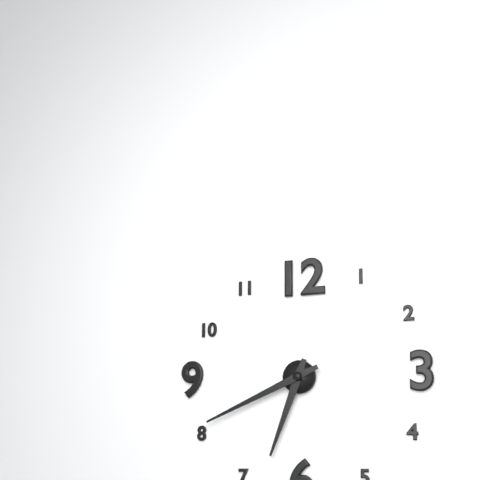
6:41
